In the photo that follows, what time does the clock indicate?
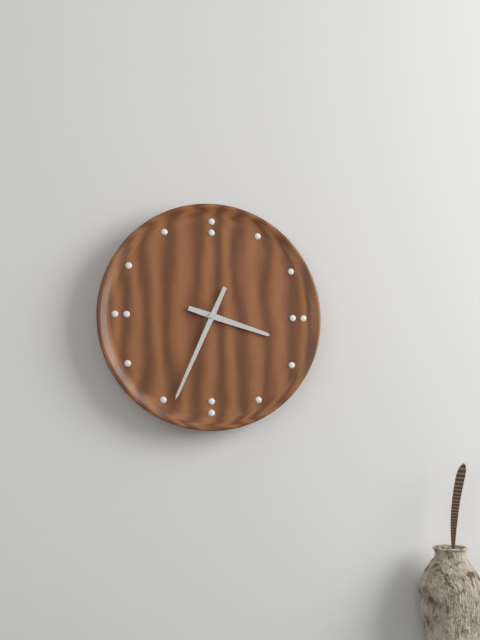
3:34
